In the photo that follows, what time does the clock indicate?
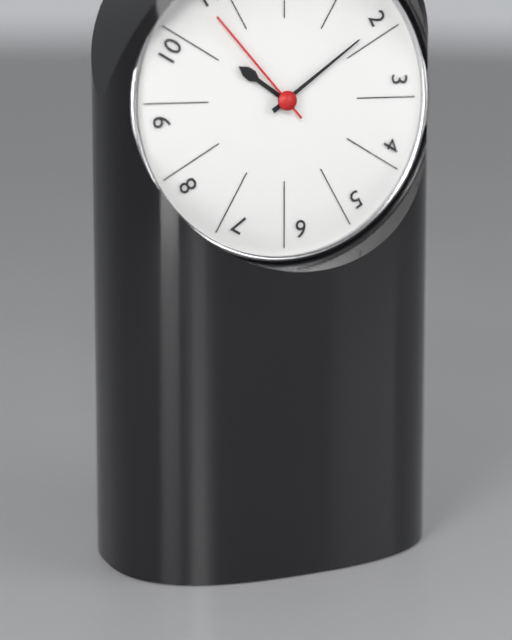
10:09:53
